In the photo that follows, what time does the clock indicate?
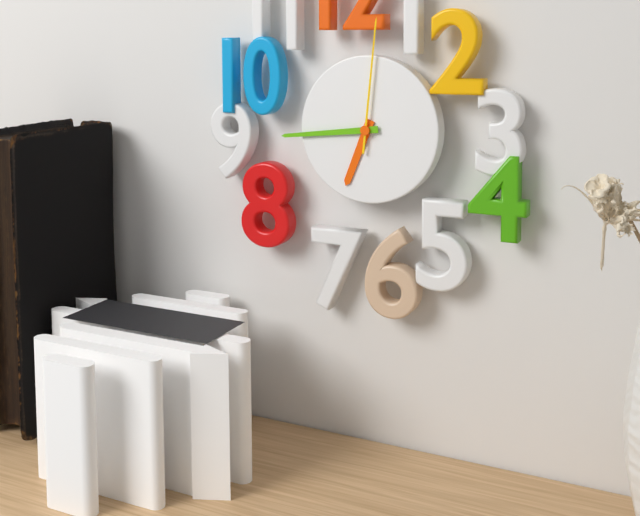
6:44:01
